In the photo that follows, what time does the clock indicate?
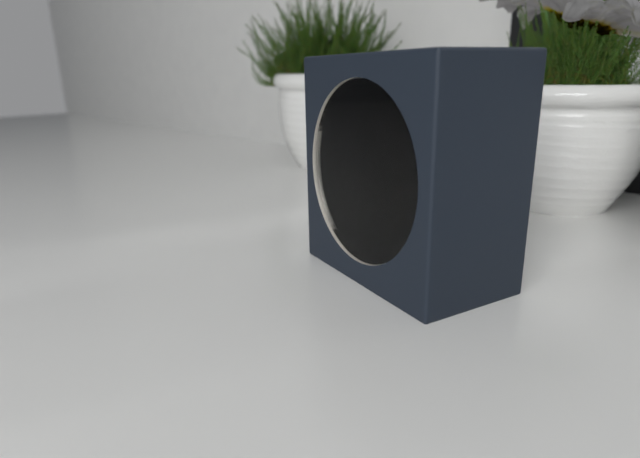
12:49:50
